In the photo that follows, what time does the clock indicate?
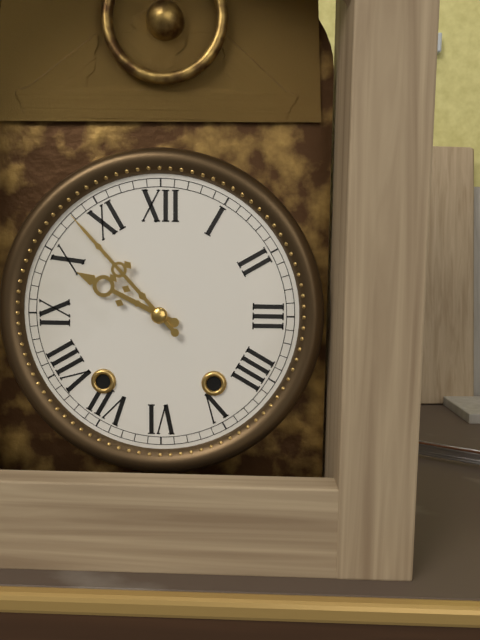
9:53
